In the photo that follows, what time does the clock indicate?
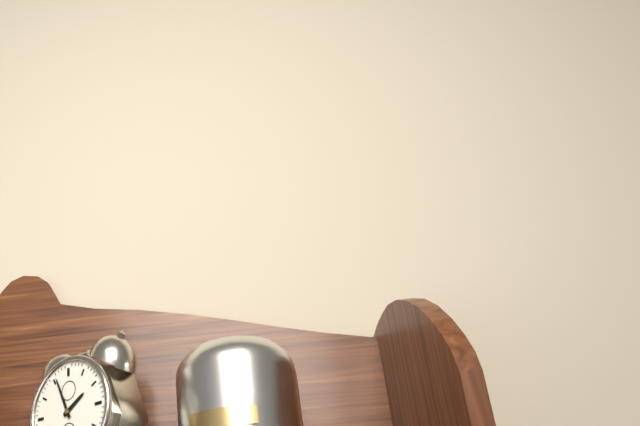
1:56
